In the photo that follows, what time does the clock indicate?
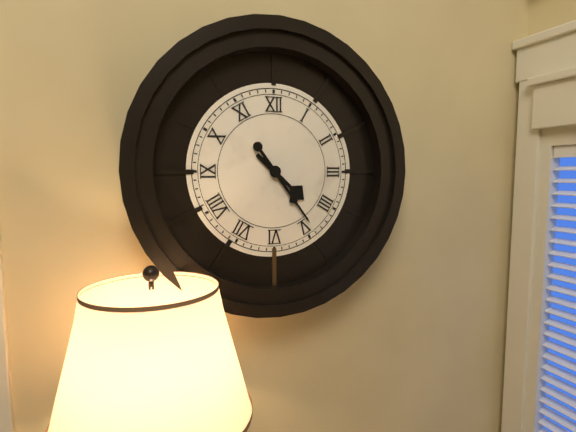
4:24
